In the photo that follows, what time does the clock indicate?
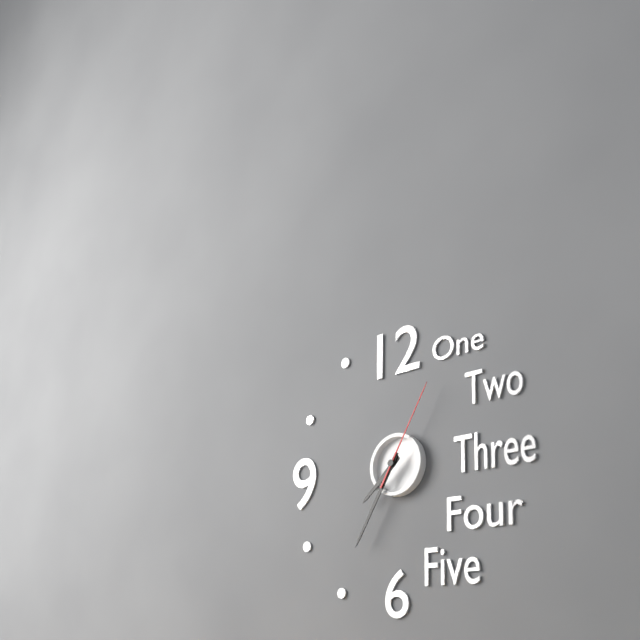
7:35:05
